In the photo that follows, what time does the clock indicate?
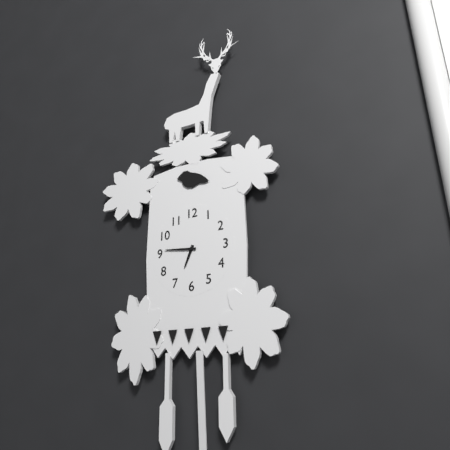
6:46
